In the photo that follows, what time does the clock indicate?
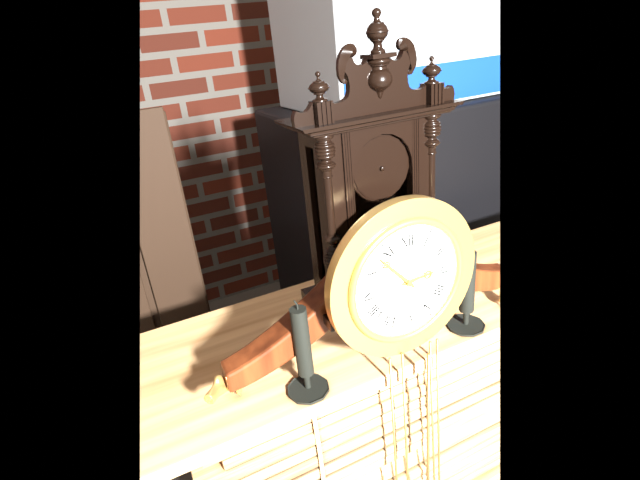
2:53
